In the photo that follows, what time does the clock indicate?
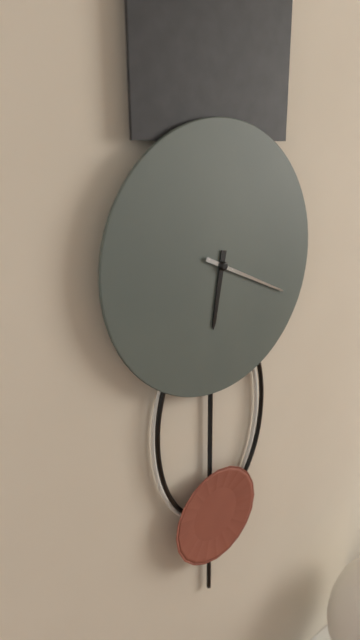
6:19
